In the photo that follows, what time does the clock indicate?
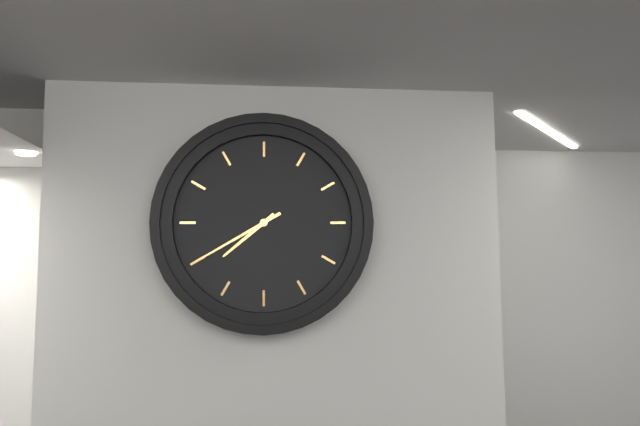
7:40
